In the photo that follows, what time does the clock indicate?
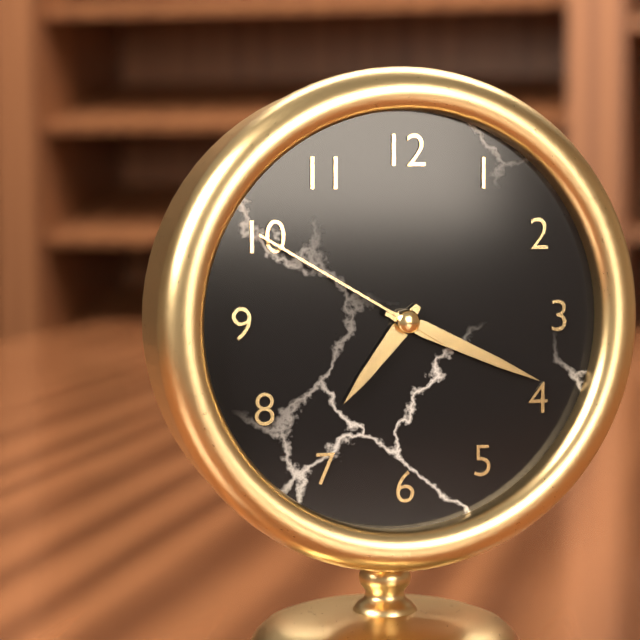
7:19:50
